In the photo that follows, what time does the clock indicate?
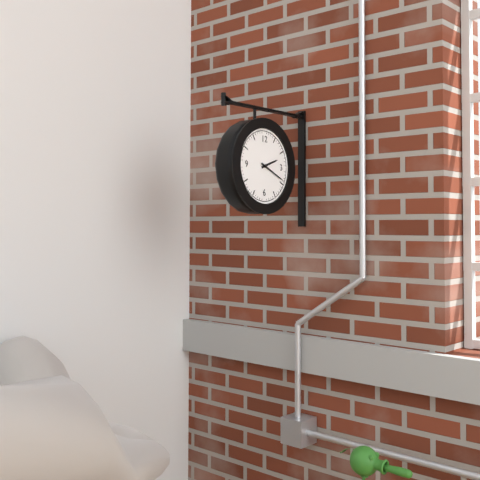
2:19
